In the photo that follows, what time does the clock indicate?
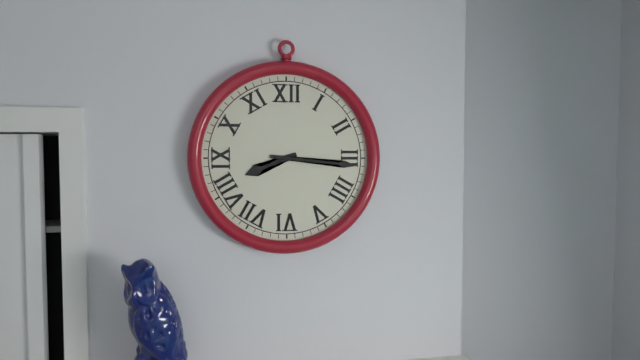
8:16
